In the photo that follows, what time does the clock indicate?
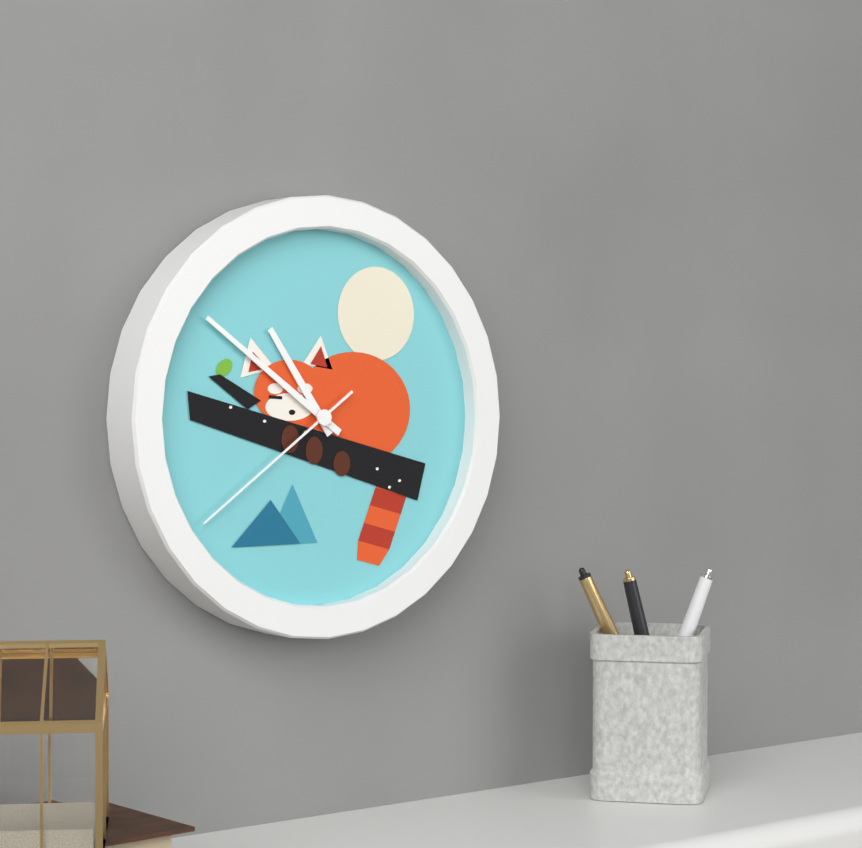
10:51:39
